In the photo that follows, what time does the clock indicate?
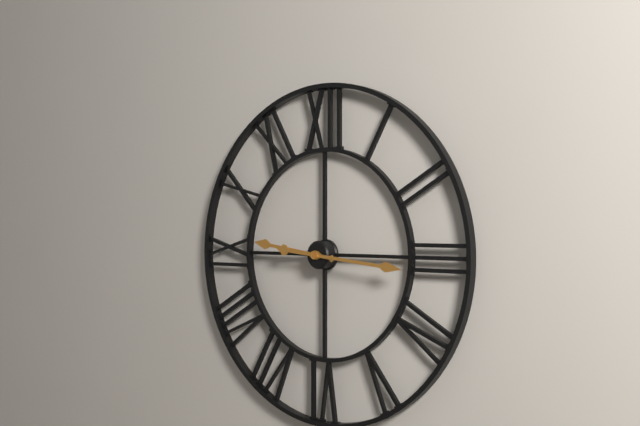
9:16
